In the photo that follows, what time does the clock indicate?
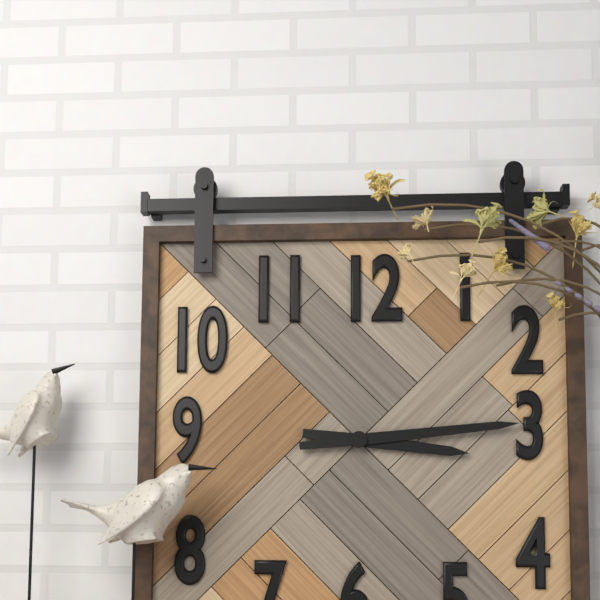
3:14
